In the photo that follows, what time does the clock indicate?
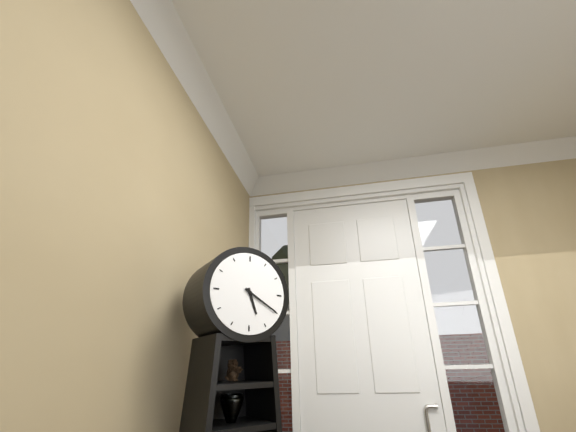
5:20
